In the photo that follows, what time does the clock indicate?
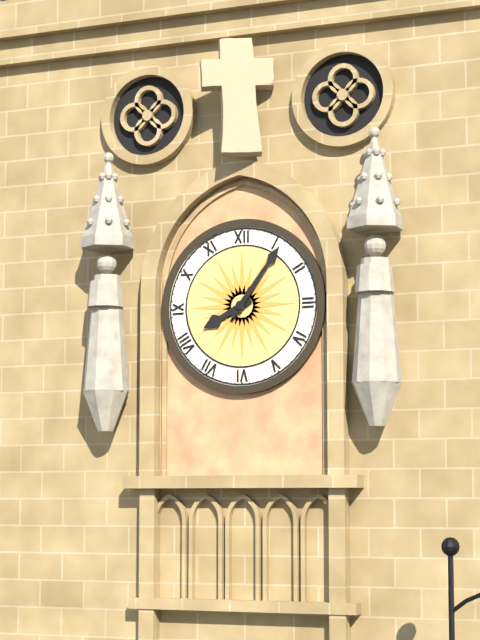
8:06
